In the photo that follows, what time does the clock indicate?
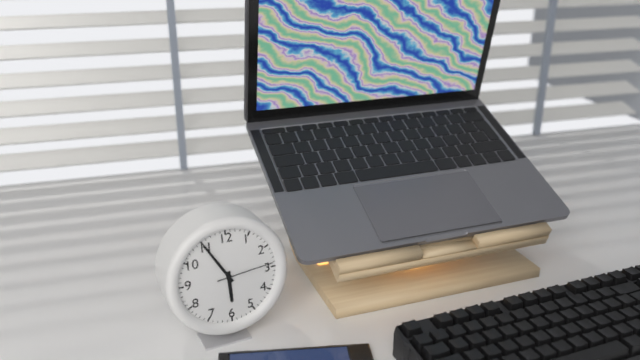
5:55:14
